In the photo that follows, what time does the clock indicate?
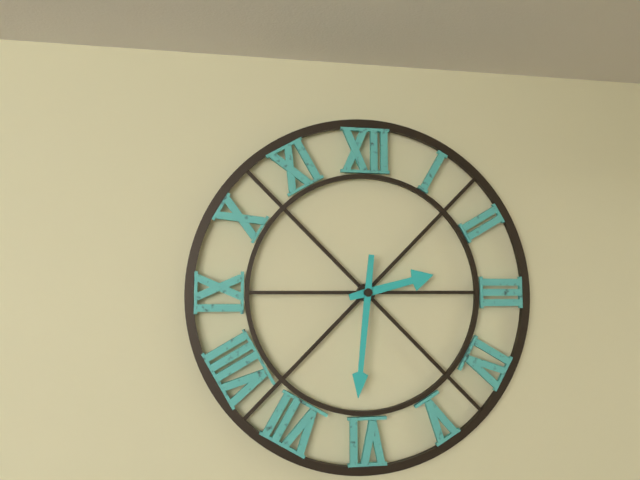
2:31
